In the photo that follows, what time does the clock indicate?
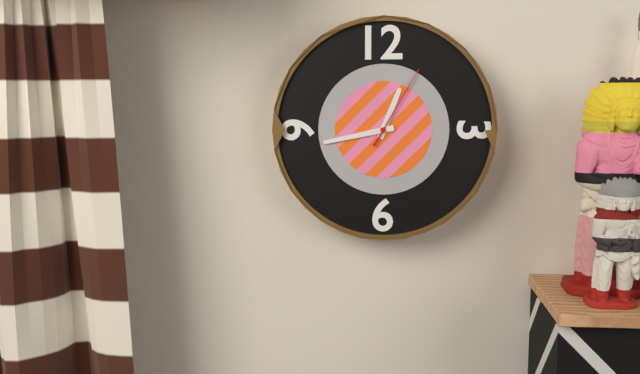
12:43:05
